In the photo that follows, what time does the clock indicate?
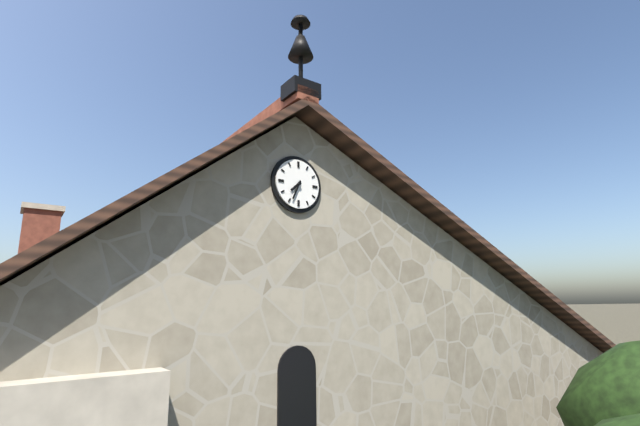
7:34
